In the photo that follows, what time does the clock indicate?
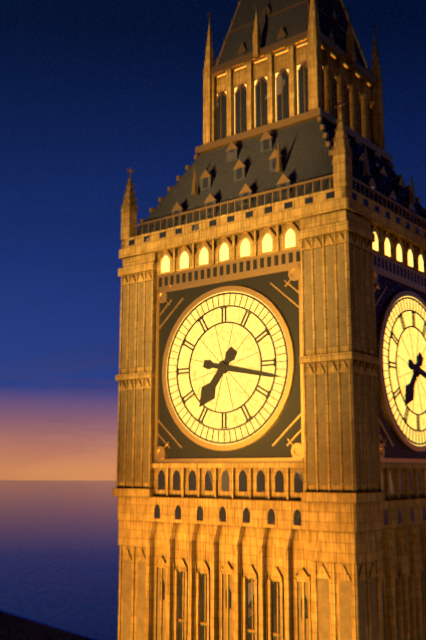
7:17
